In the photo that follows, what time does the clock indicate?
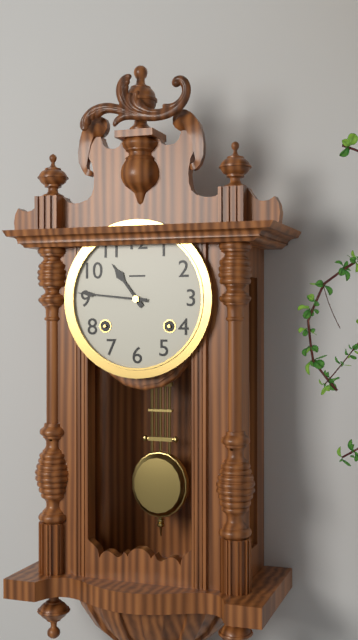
10:46
